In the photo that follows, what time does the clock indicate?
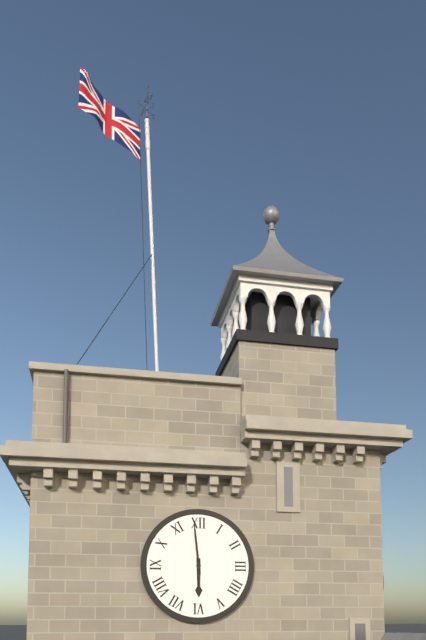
5:59
